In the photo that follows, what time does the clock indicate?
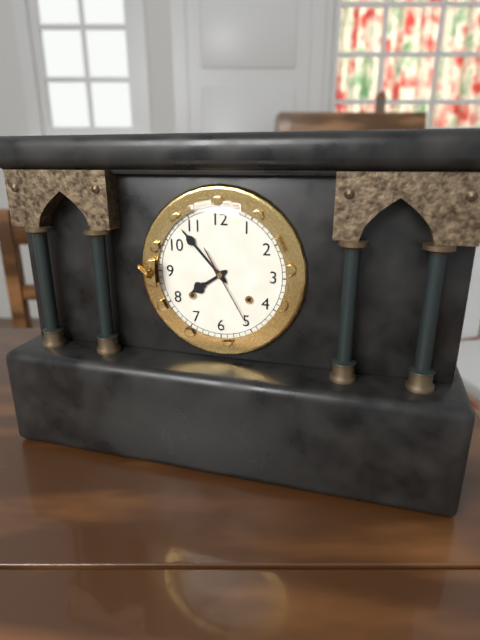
7:53:25
